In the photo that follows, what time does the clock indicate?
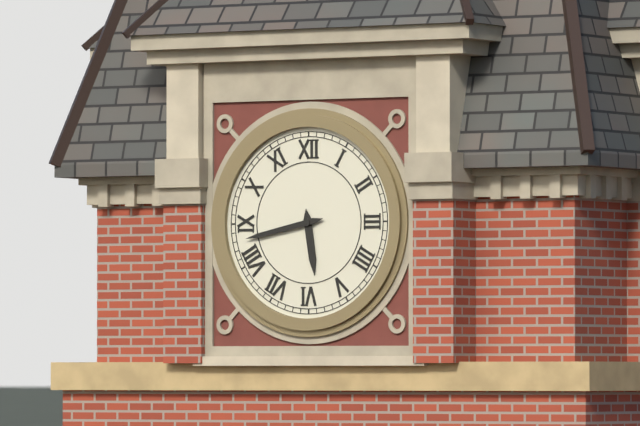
5:43
